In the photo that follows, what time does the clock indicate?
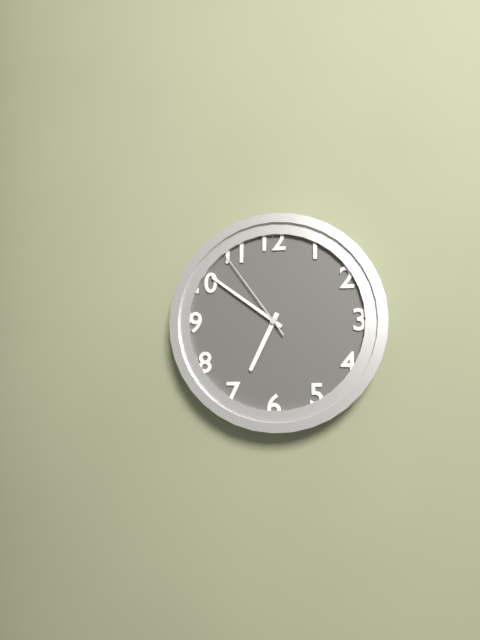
6:51:54
